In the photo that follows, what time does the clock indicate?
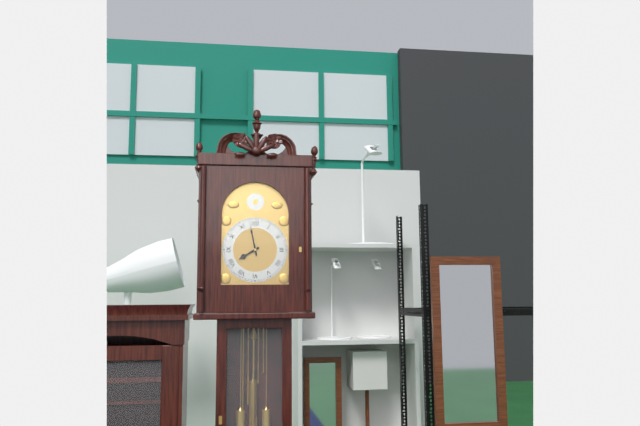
7:58
